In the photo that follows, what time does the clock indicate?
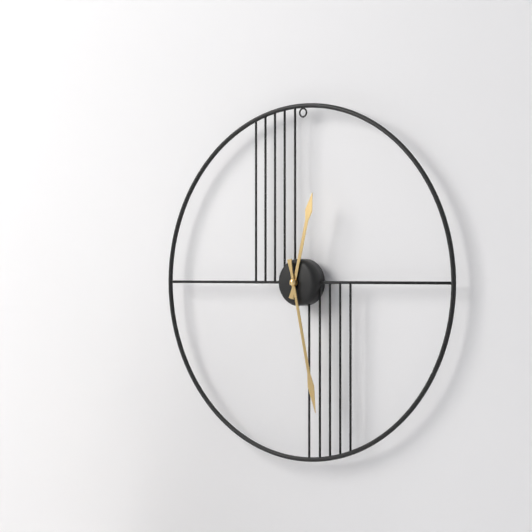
12:28
